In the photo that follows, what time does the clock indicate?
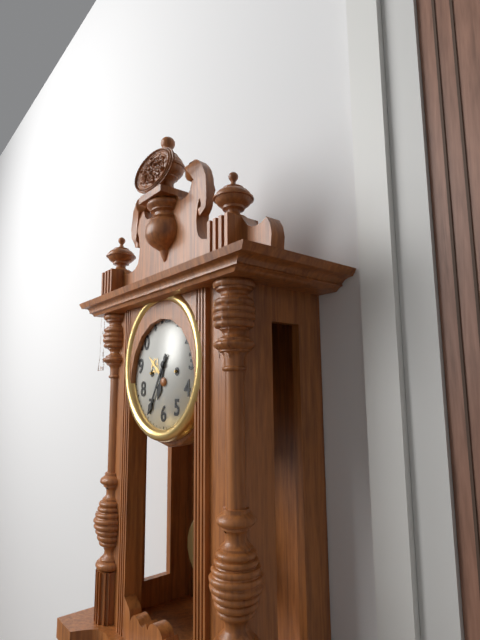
6:35
